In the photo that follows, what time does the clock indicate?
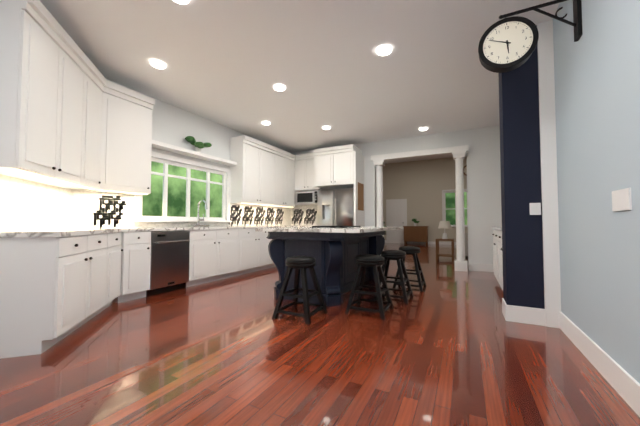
5:49
